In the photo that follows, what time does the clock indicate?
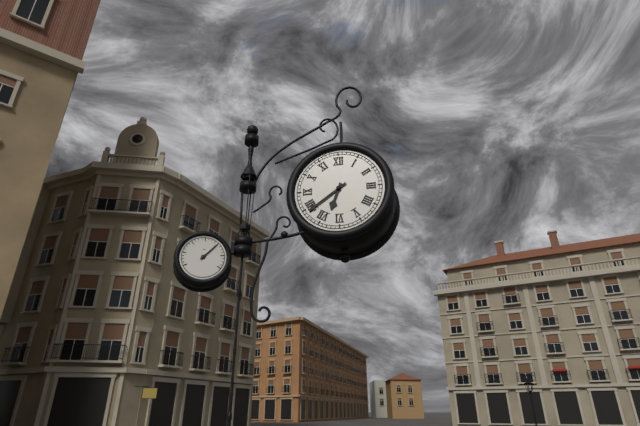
6:39
